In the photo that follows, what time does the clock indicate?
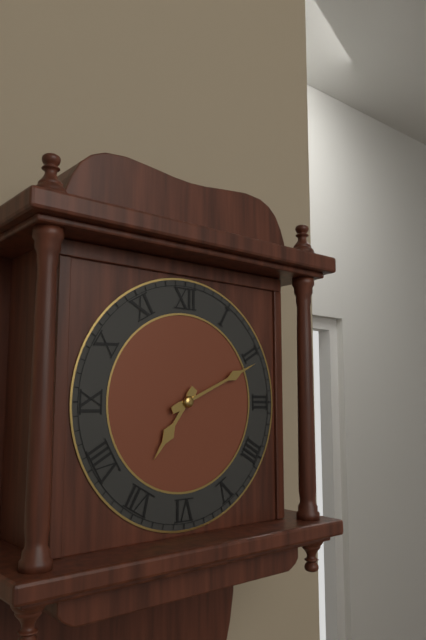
7:11
